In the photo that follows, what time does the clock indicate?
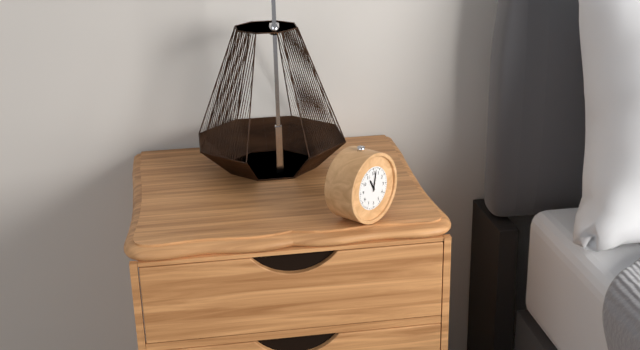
11:02
